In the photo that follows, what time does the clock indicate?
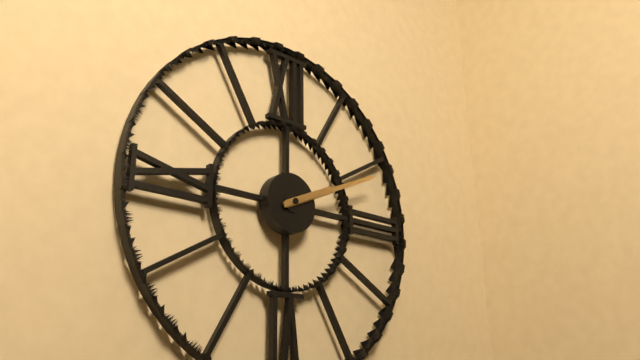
2:11
